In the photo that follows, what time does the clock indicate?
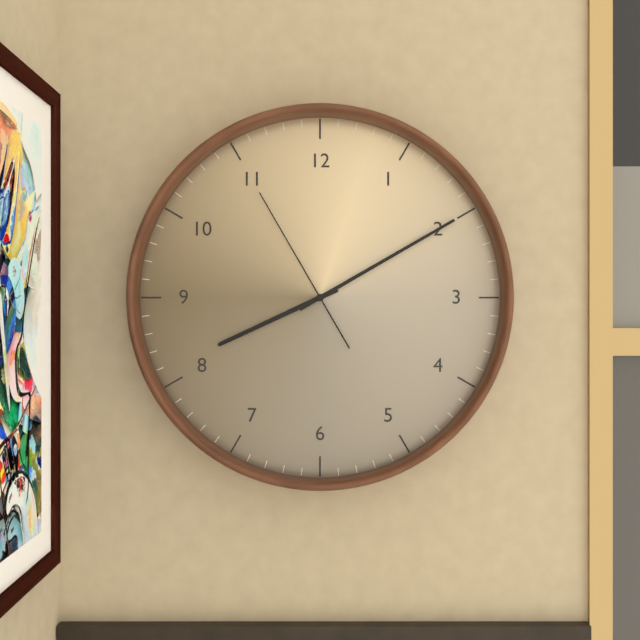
8:10:55
